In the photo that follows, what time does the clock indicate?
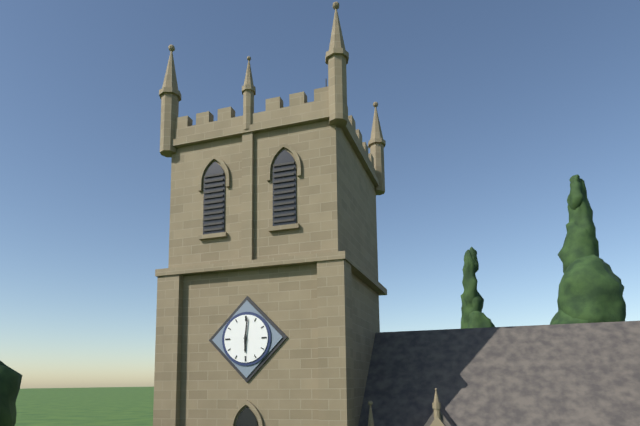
6:01
